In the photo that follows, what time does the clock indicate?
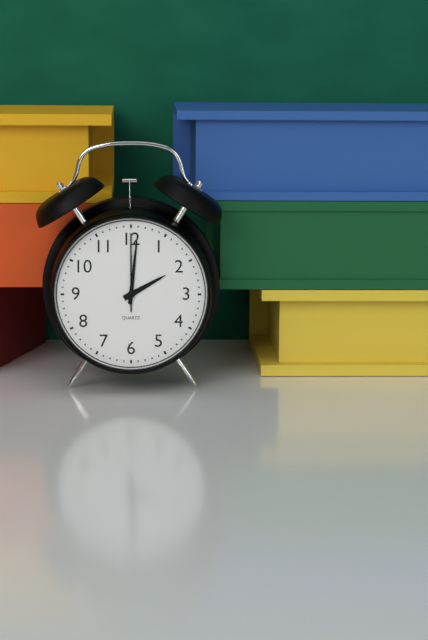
2:01:00
